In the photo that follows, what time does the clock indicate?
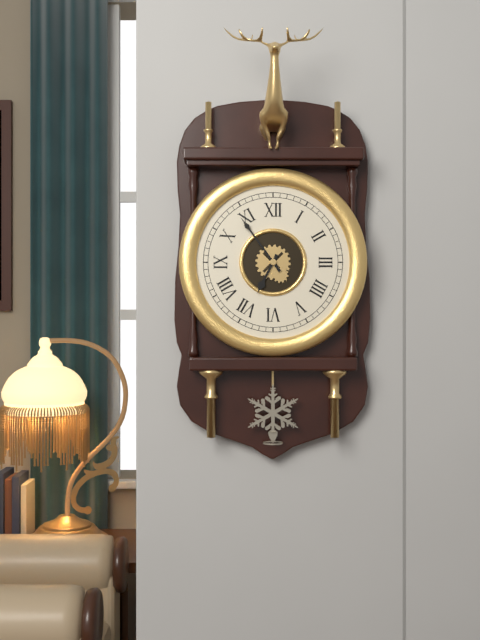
6:54
